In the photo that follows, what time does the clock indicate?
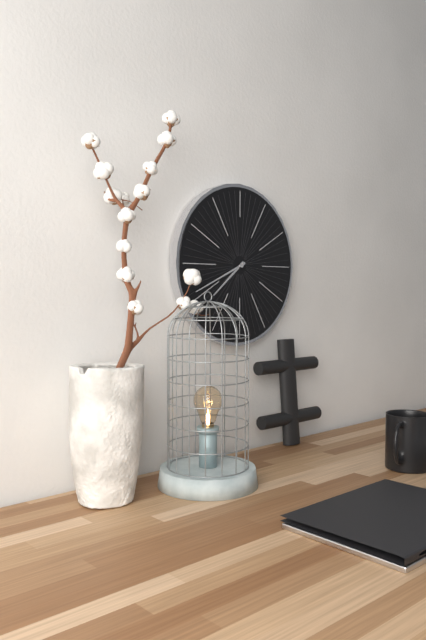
7:41
